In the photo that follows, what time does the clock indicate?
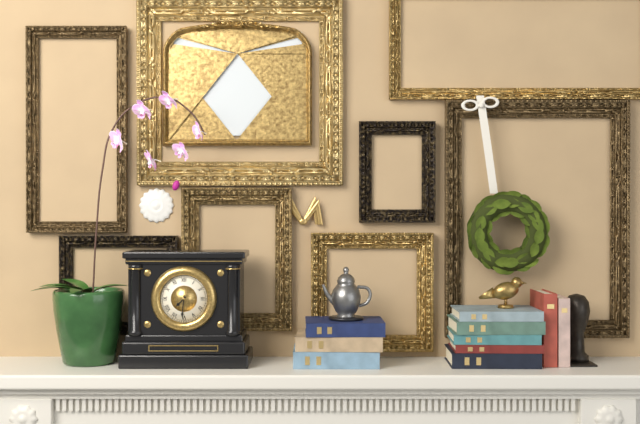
7:31
